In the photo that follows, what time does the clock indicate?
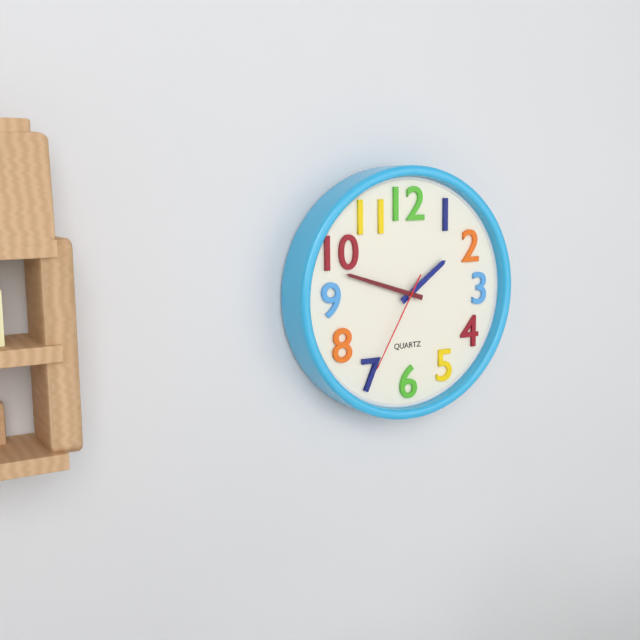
1:48:35
